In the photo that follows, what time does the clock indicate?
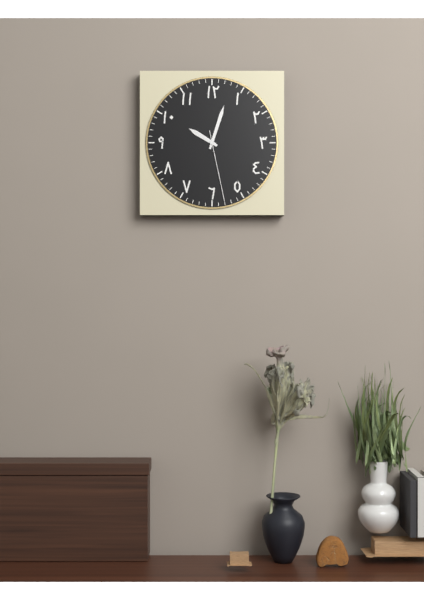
10:03:28
